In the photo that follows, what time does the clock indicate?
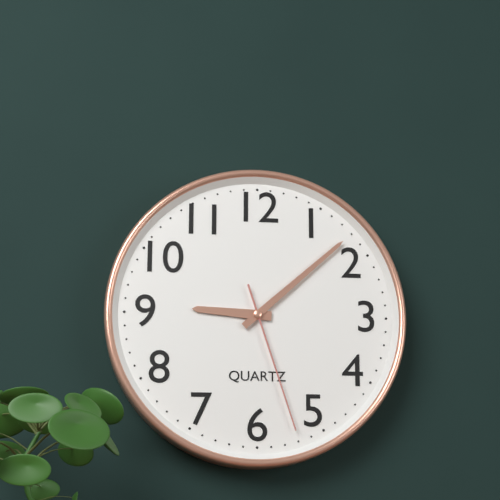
9:08:27
